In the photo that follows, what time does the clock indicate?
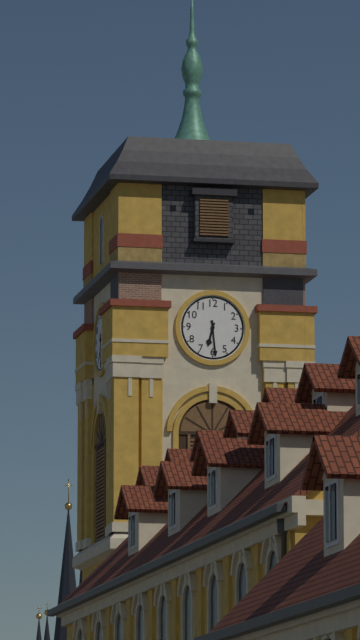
6:29
